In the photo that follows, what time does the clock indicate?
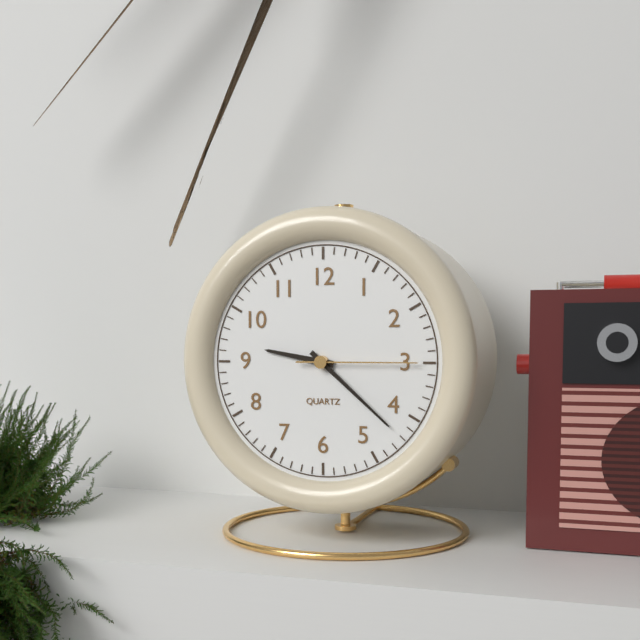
9:22:15
